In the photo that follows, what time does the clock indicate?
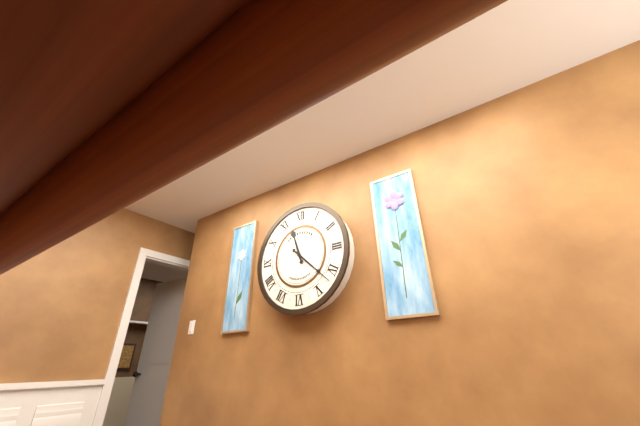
11:22
